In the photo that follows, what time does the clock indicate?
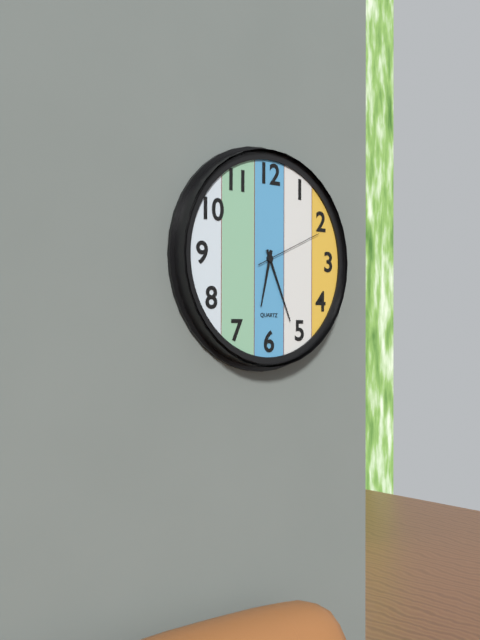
6:26:11
